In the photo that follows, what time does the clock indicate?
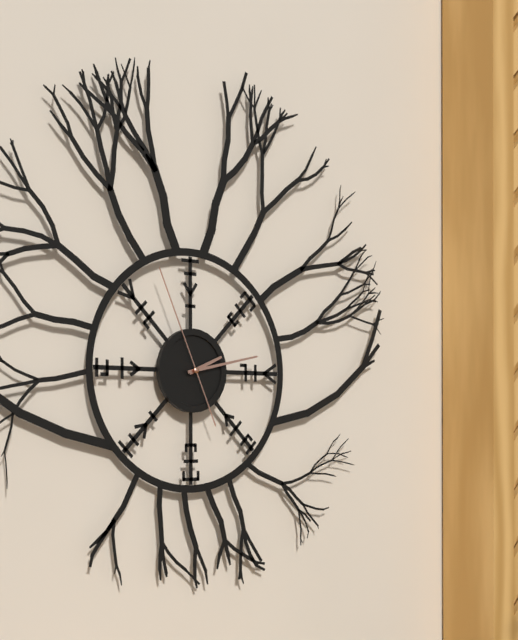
2:13:56
